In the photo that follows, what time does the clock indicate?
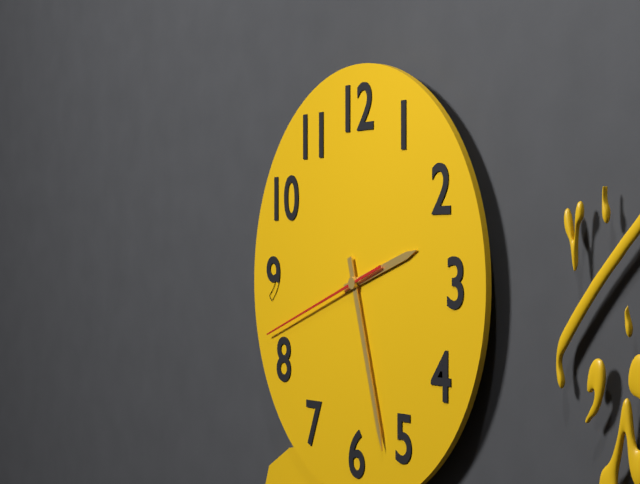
2:27:42
